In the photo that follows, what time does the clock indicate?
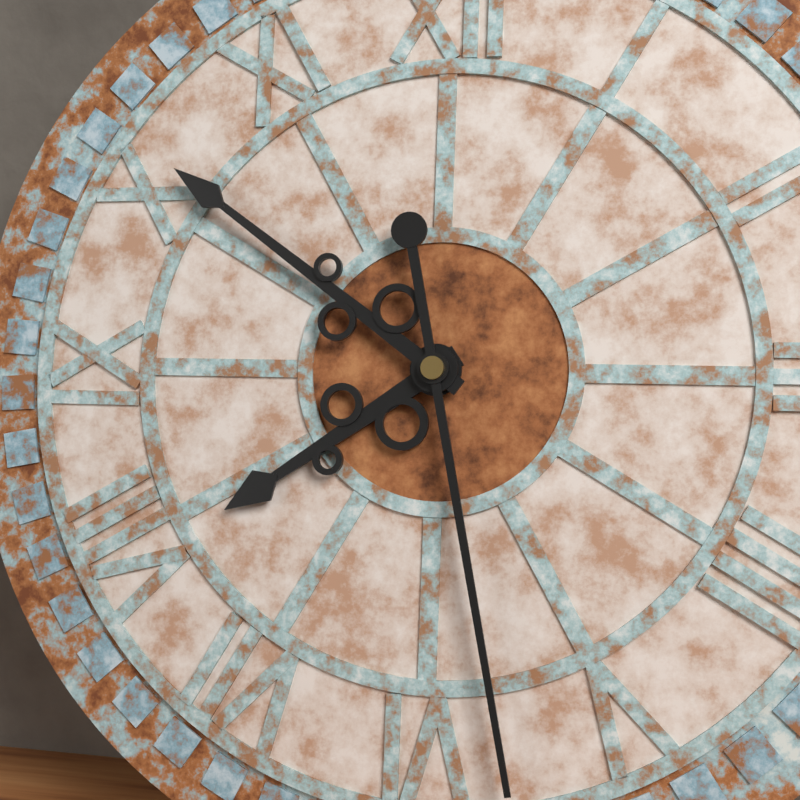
7:51:28
